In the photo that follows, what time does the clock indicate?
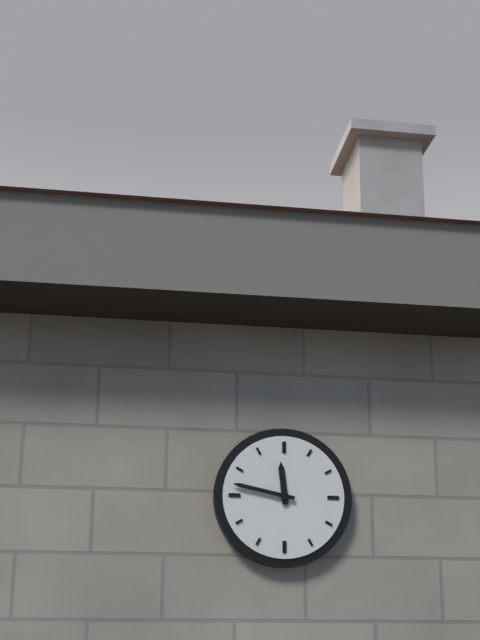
11:47
